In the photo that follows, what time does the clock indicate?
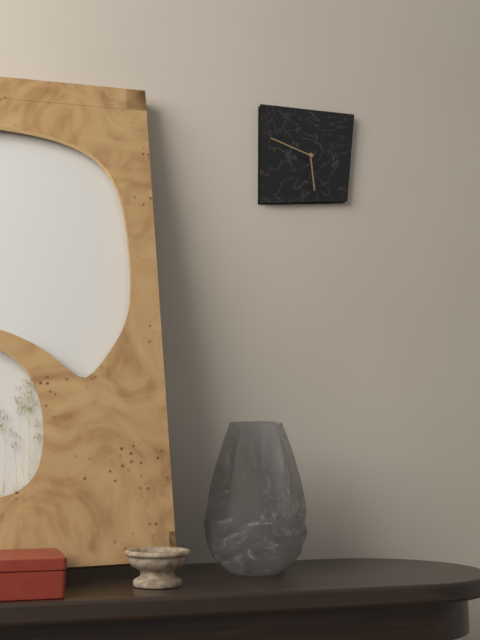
5:48
